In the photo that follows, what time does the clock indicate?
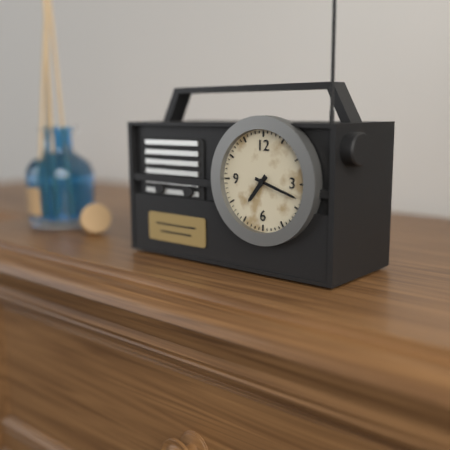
7:18
